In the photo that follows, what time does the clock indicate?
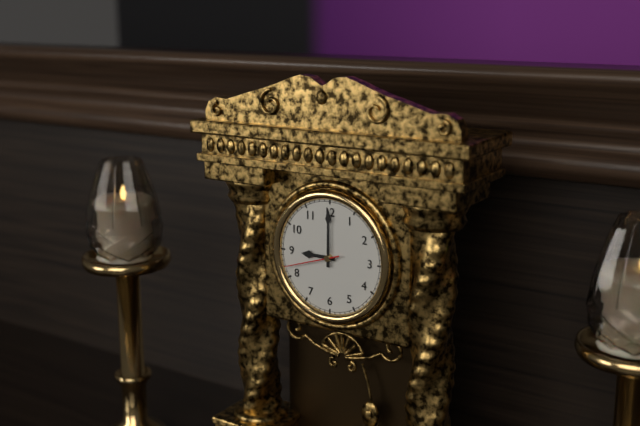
9:00:42
